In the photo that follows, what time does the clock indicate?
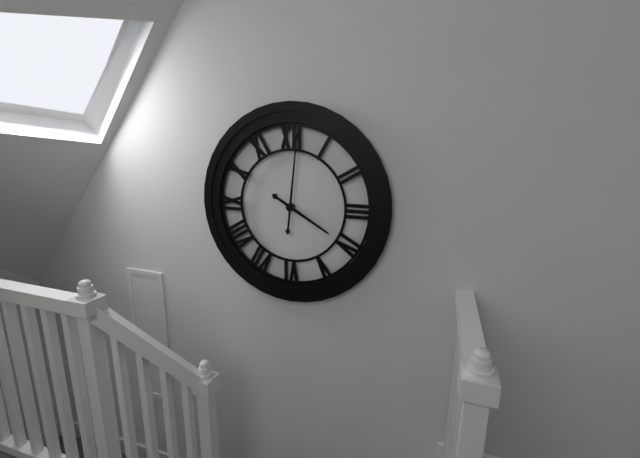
4:01
